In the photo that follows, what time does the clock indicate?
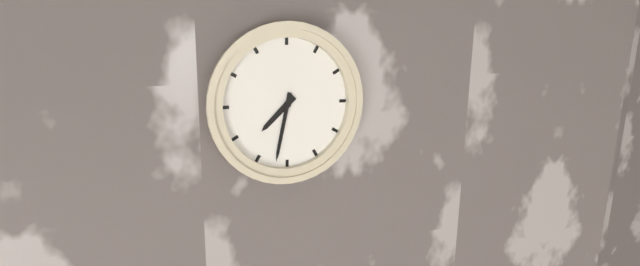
7:32
